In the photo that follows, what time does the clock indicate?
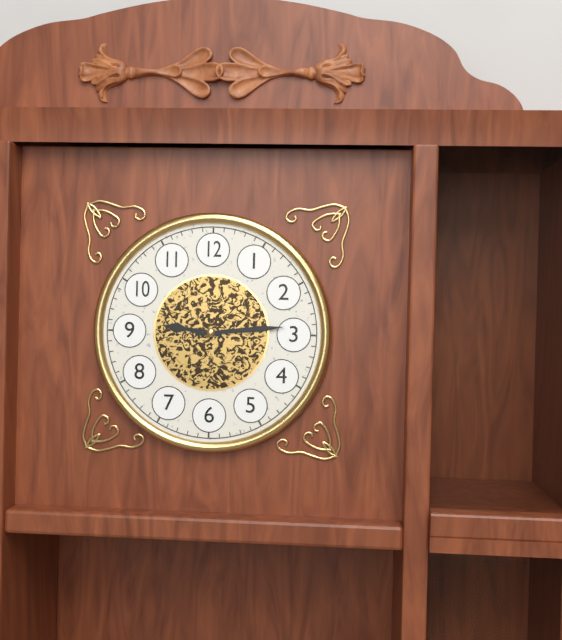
9:14
